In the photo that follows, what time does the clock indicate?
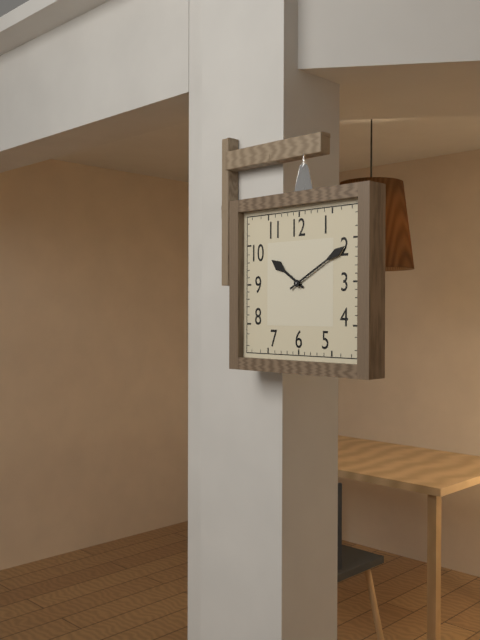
10:10
